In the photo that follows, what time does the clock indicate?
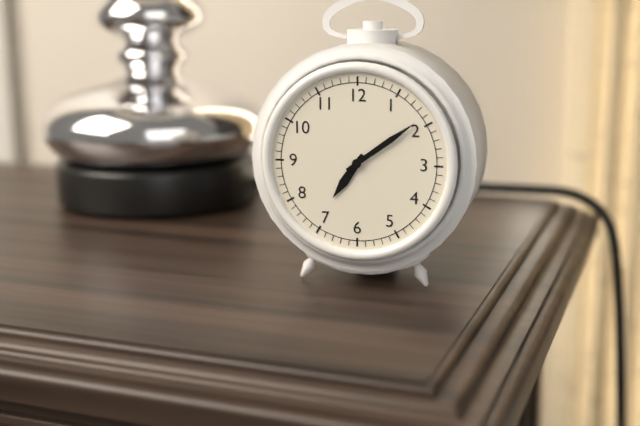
7:09
